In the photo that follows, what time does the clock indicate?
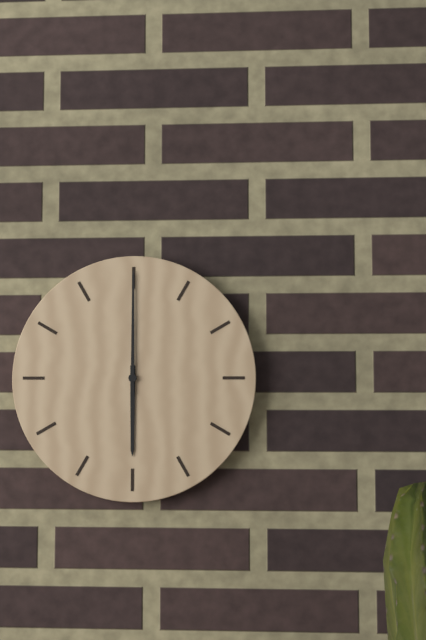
6:00
